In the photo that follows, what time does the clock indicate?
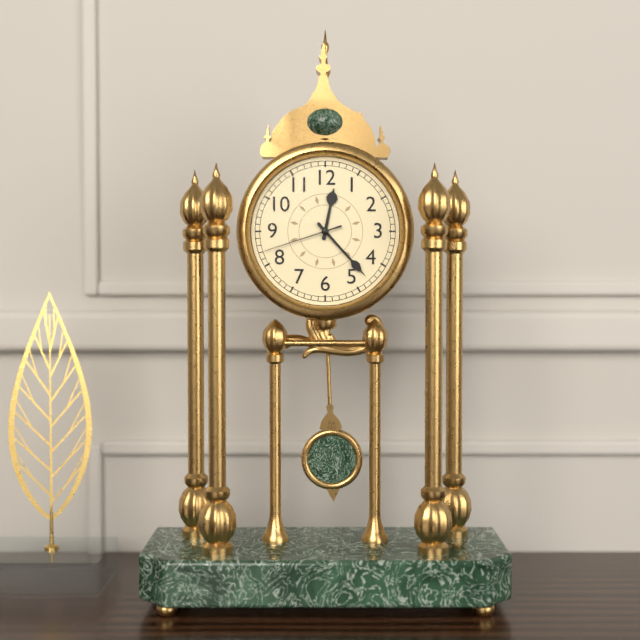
12:23:42
